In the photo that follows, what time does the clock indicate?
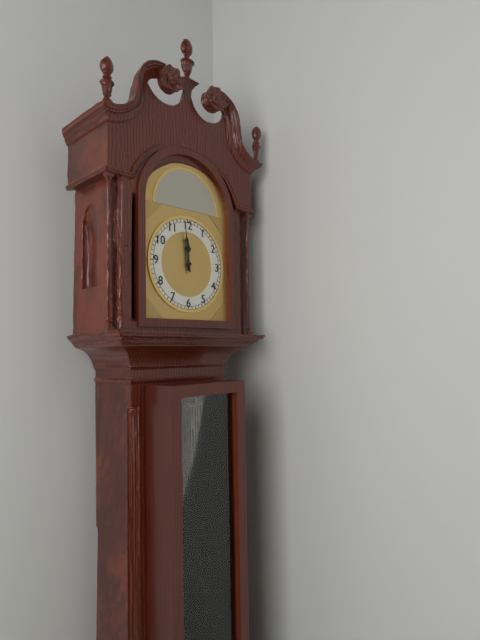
11:59
